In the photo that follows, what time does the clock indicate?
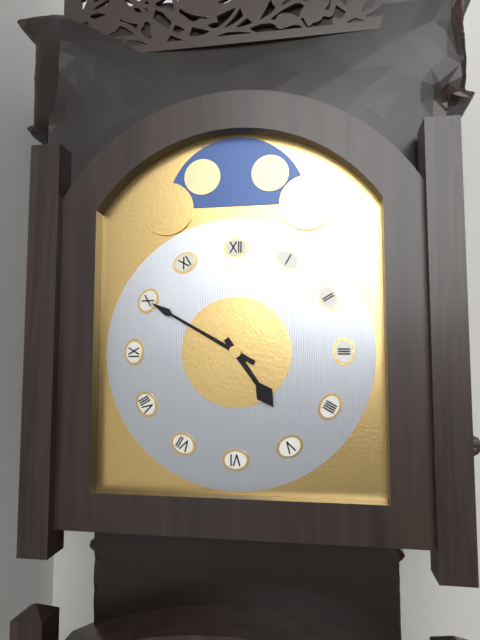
4:50
